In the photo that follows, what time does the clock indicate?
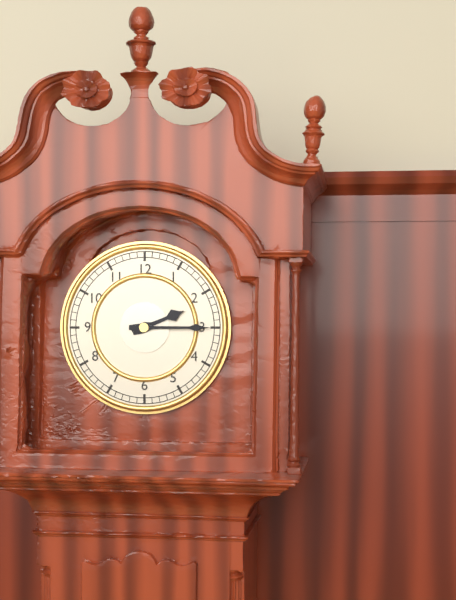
2:15
